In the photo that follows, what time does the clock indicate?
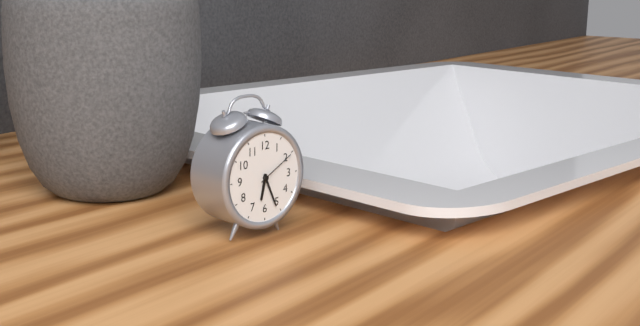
6:26
